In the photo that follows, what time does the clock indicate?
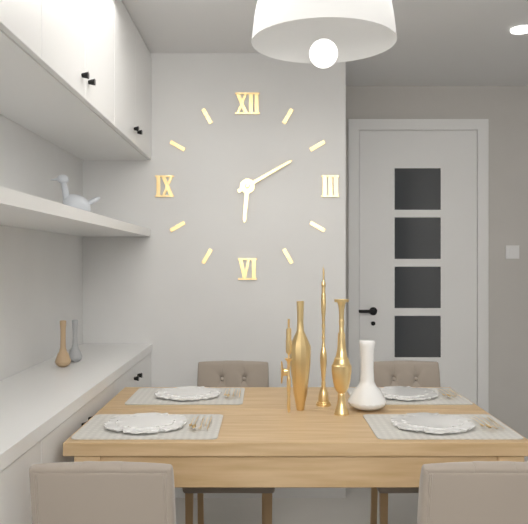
6:10
